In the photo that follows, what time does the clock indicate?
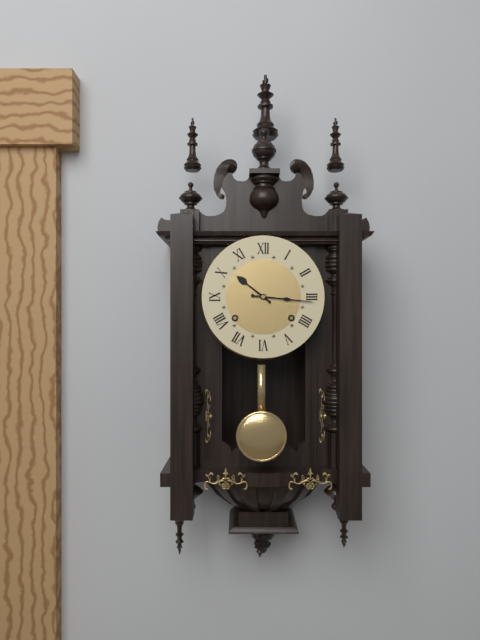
10:16
